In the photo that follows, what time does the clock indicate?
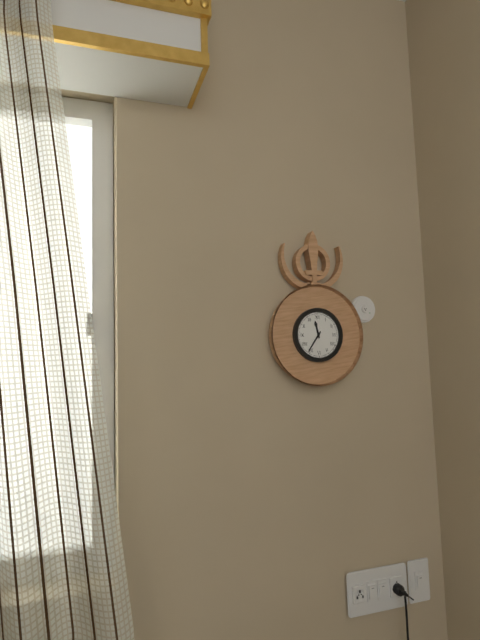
11:36
